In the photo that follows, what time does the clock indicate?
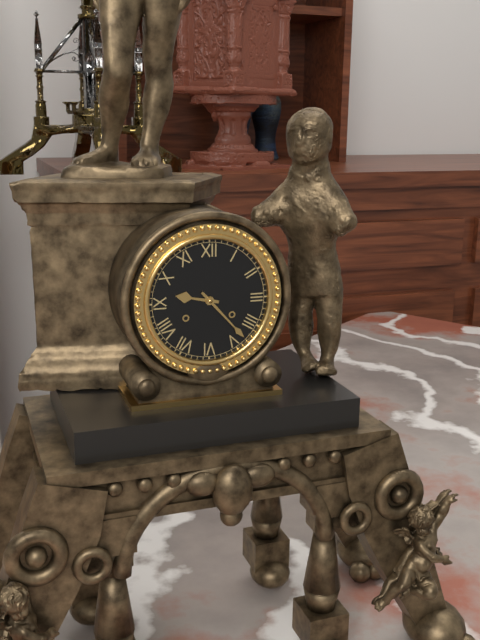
9:23
